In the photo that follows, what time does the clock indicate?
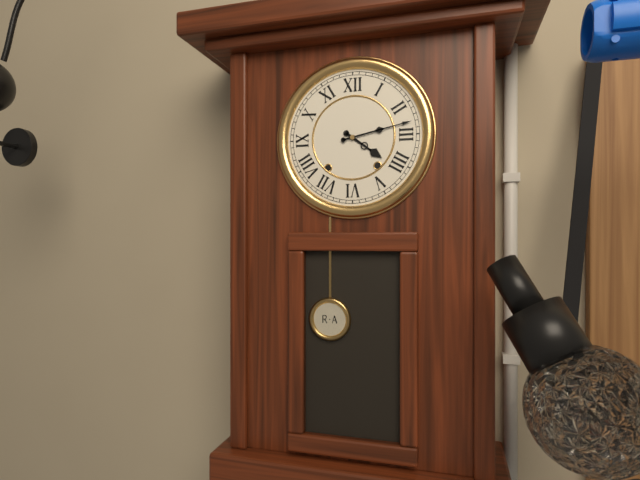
4:13
